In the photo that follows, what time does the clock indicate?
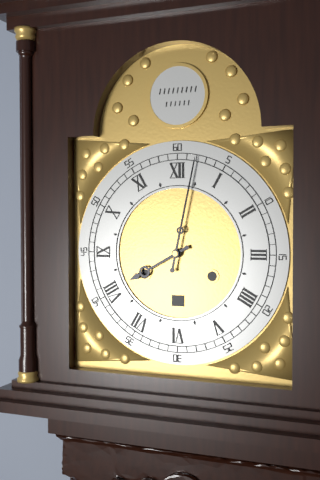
8:02
